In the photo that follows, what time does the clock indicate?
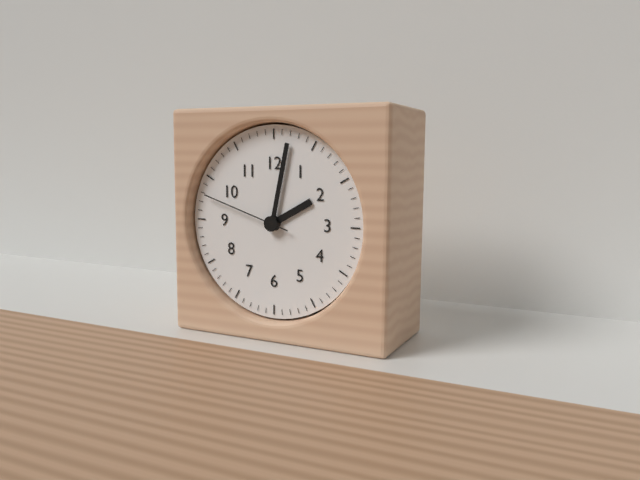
2:02:48
